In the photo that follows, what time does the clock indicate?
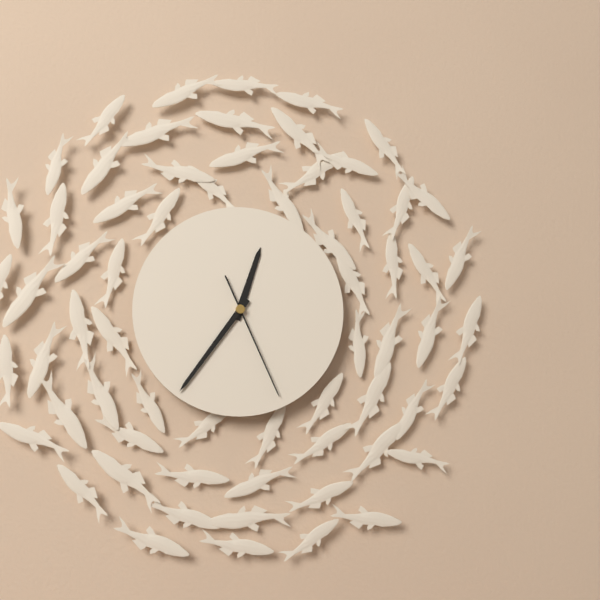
12:36:26
